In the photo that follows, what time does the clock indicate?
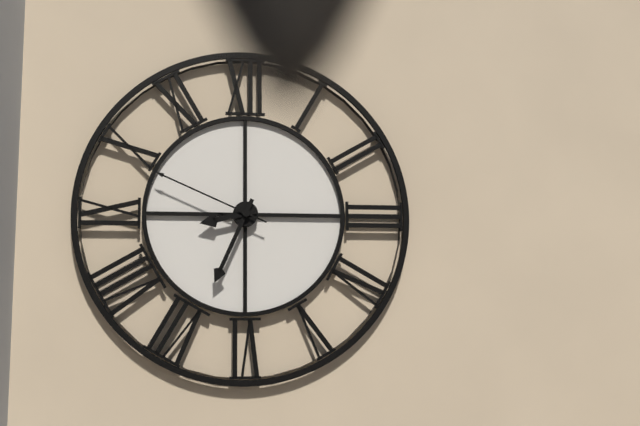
8:34:49
